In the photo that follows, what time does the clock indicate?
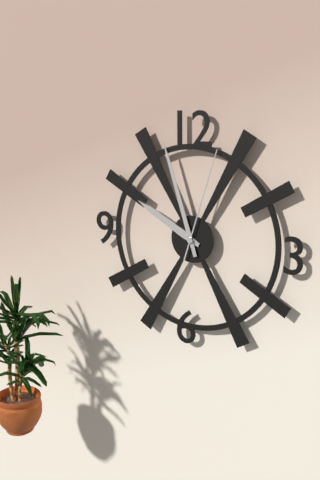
9:57:03
